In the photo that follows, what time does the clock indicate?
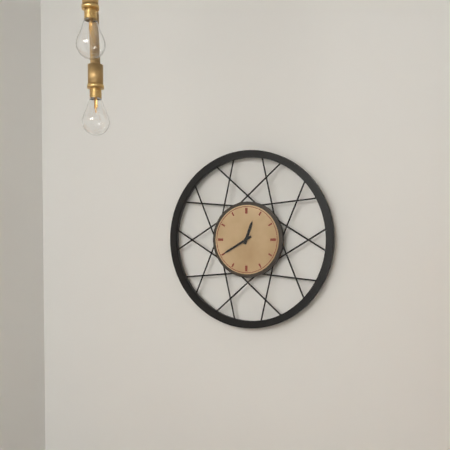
12:40
